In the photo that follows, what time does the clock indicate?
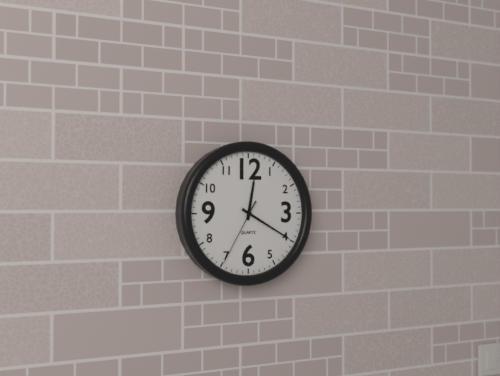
12:20:35
